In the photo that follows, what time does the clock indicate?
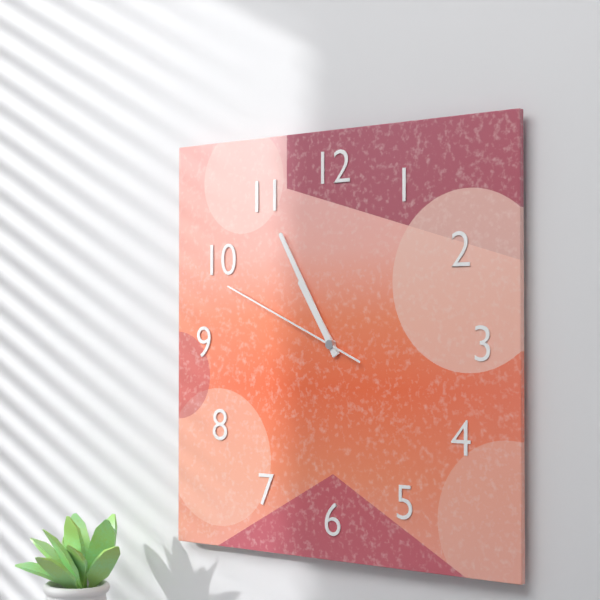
10:55:49
